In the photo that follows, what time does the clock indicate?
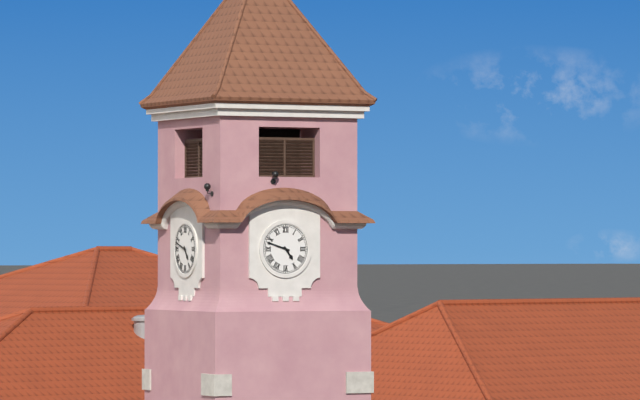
4:48
